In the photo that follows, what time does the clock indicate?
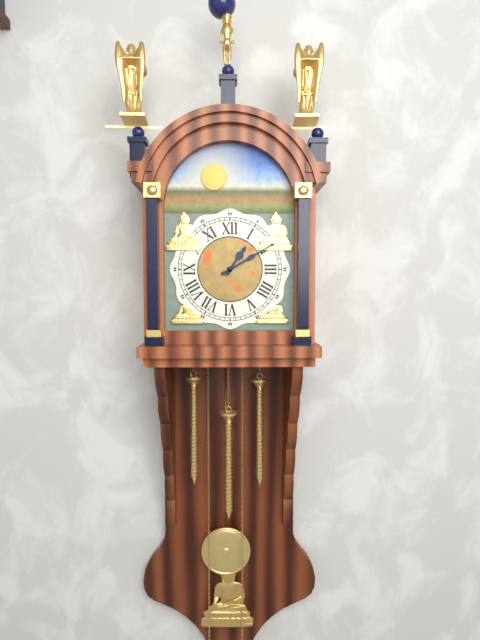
1:10
